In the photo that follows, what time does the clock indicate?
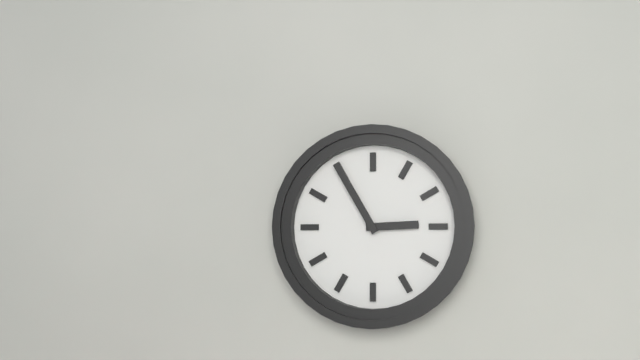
2:55
